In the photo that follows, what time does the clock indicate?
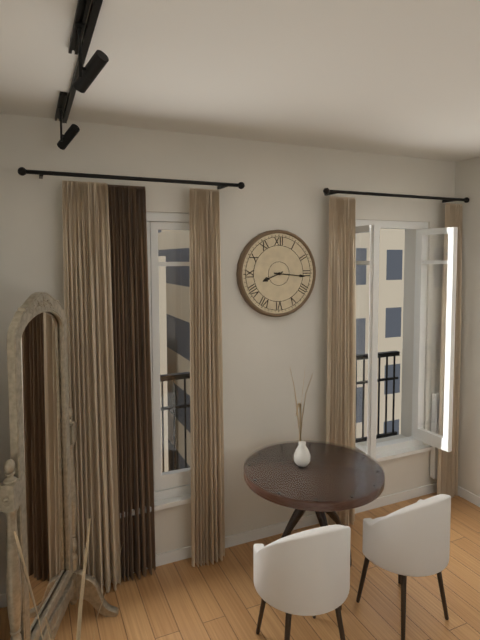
8:16
